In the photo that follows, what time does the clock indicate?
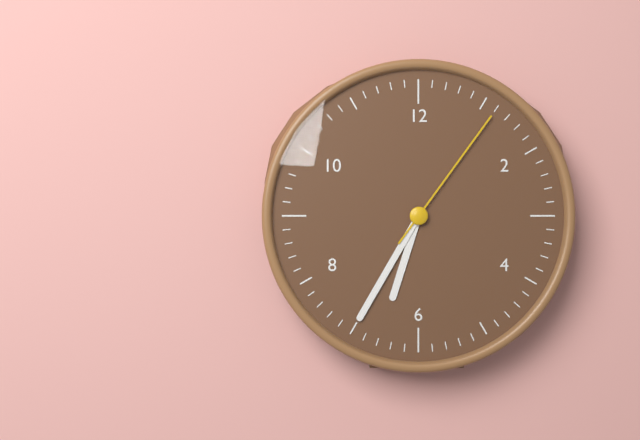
6:35:06
